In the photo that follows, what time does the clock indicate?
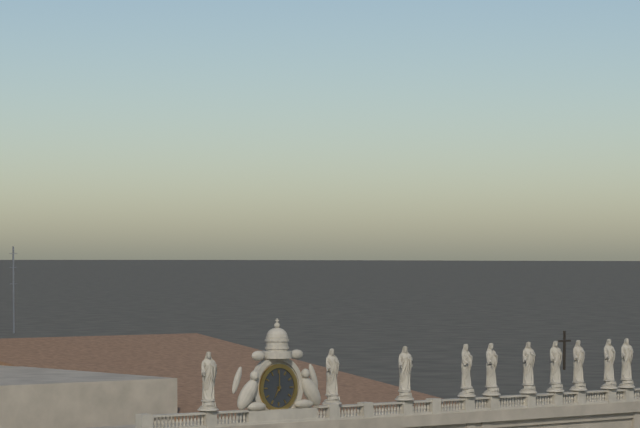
7:00
